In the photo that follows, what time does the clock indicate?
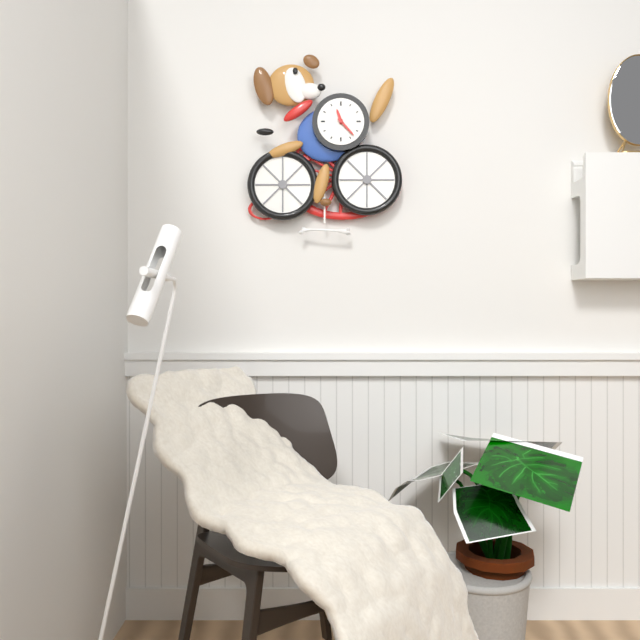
11:23
